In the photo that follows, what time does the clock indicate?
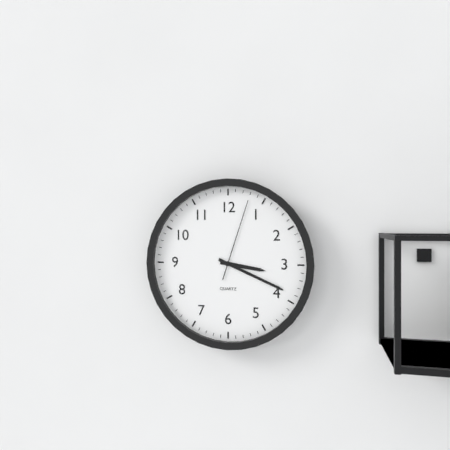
3:19:03
